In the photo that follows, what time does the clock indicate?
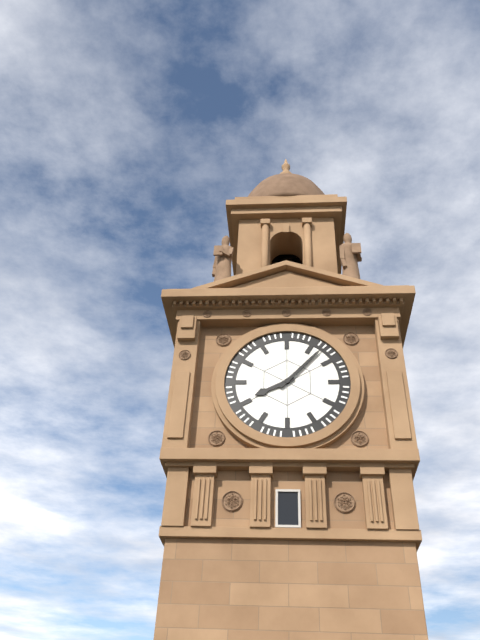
8:07
